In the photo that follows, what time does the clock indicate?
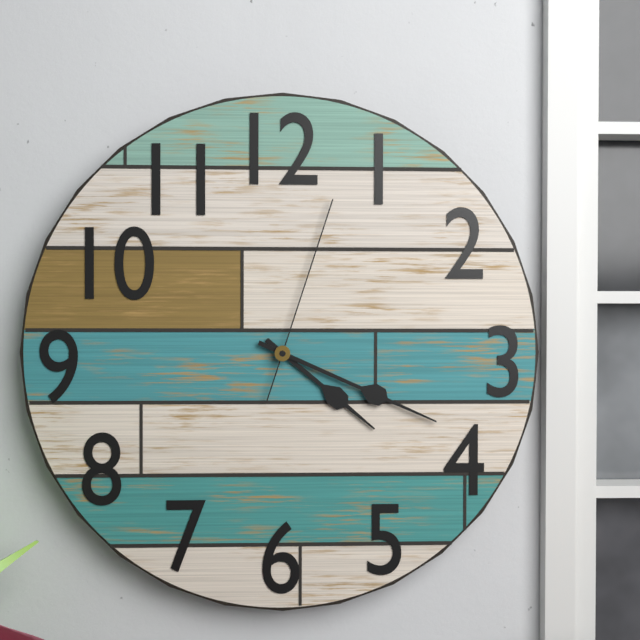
4:19:03
